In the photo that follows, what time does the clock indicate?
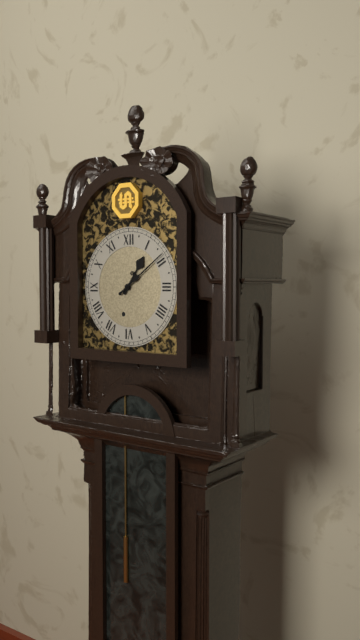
1:09
